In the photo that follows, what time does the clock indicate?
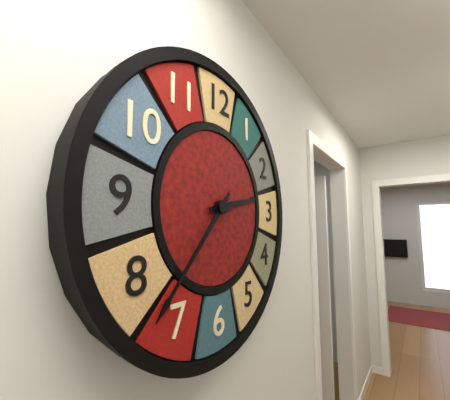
2:37
